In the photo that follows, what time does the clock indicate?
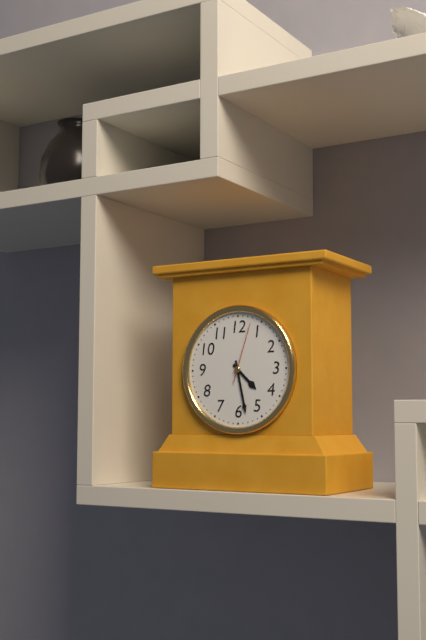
4:28:03
